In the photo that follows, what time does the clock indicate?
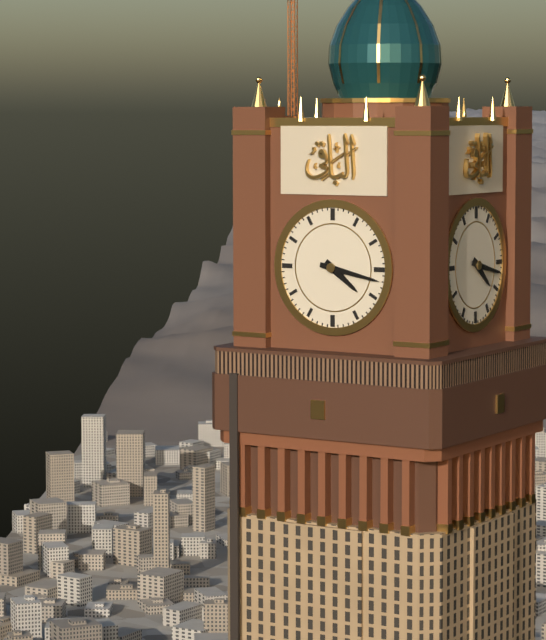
4:17
